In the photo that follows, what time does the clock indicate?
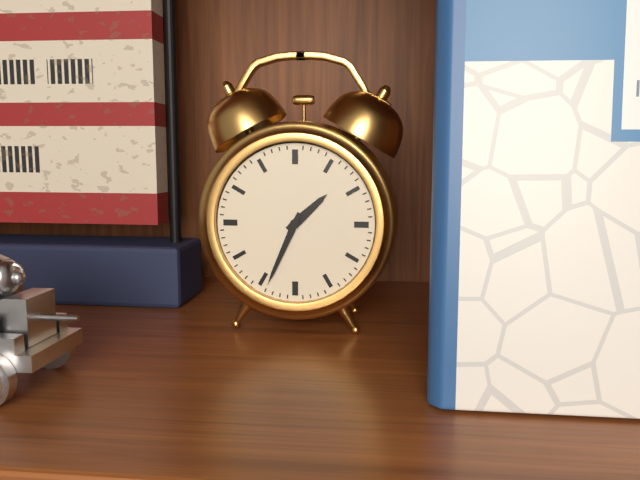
1:34
